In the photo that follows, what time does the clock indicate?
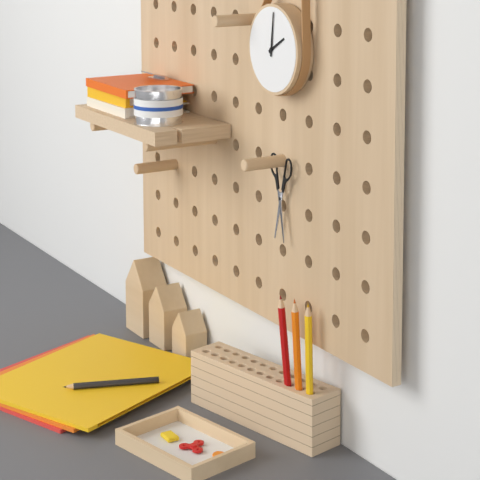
2:01
